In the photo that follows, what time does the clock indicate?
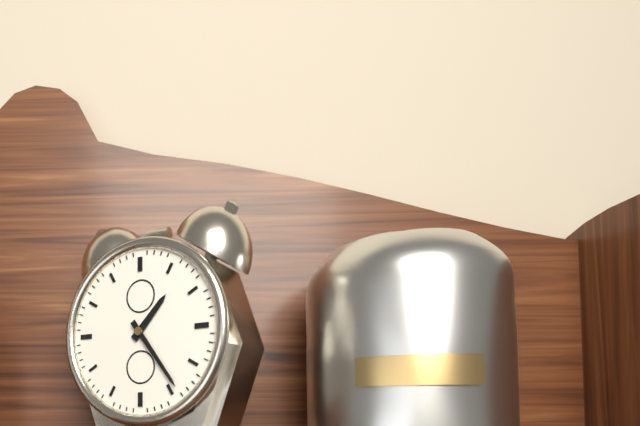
1:24
